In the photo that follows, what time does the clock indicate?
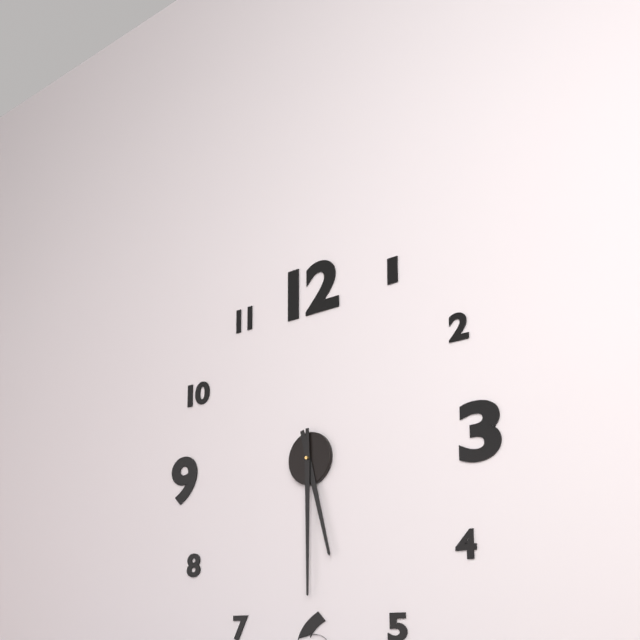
5:30
